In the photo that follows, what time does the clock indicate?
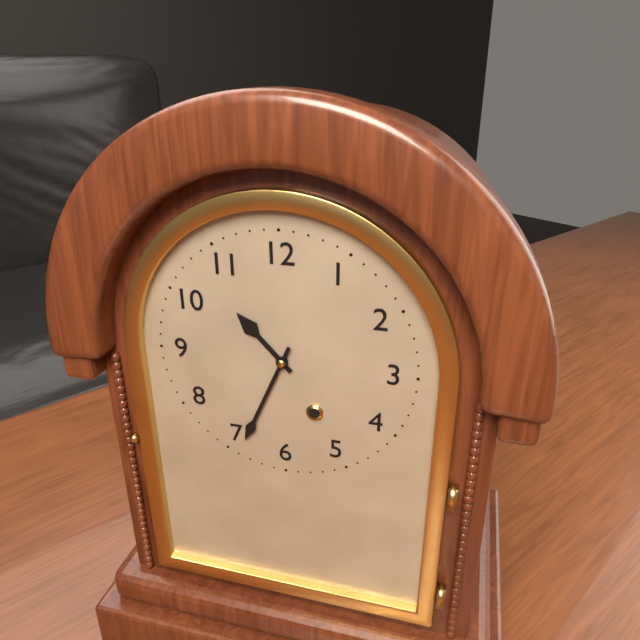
10:34
